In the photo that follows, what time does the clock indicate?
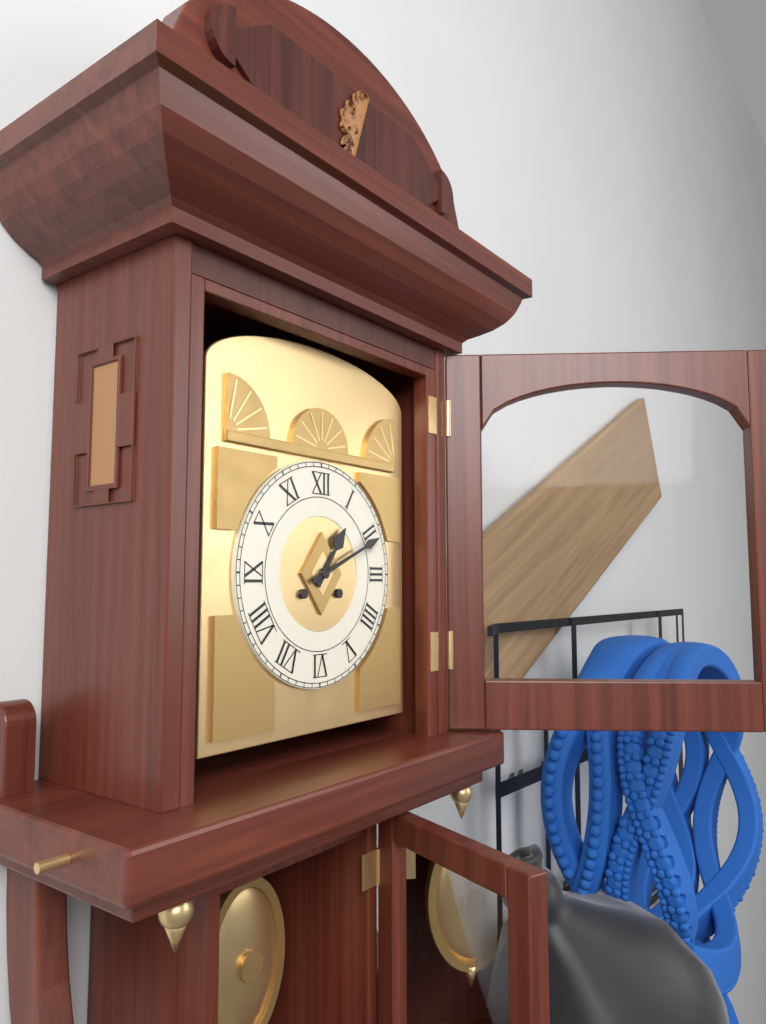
1:11
